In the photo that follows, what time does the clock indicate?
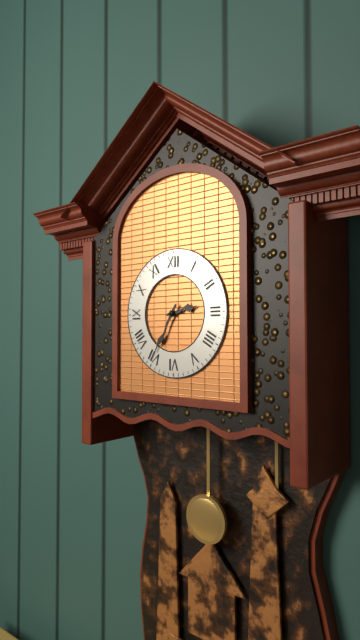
2:35
